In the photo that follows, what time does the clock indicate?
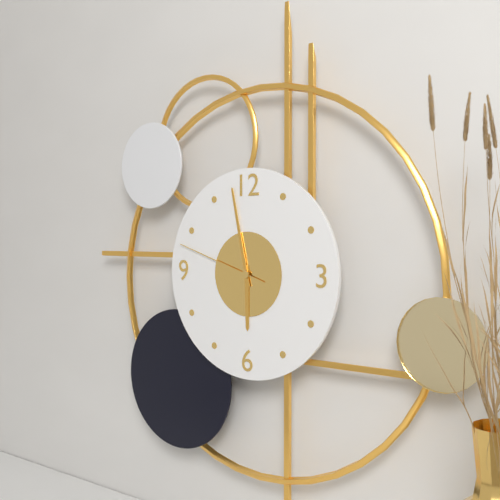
5:58:48
